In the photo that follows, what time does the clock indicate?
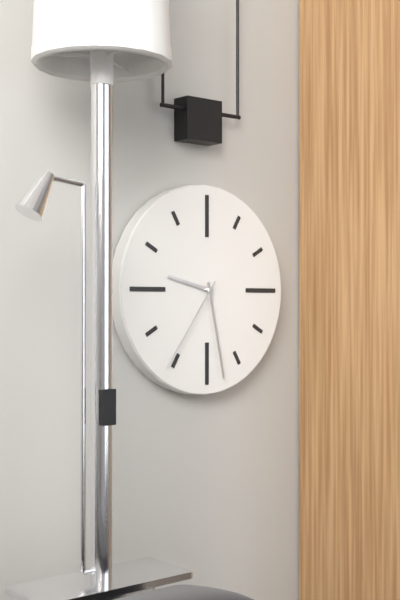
9:28:36
